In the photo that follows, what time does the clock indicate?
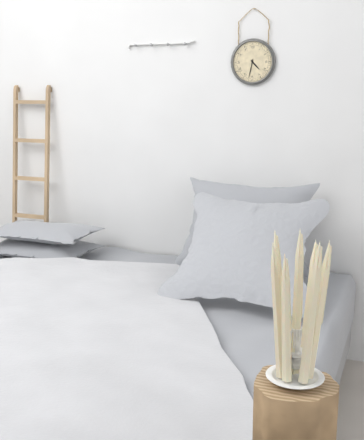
4:32
